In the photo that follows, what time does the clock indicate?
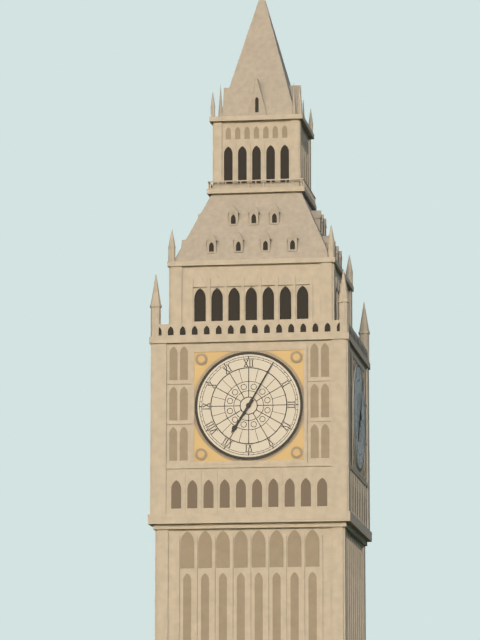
7:05
